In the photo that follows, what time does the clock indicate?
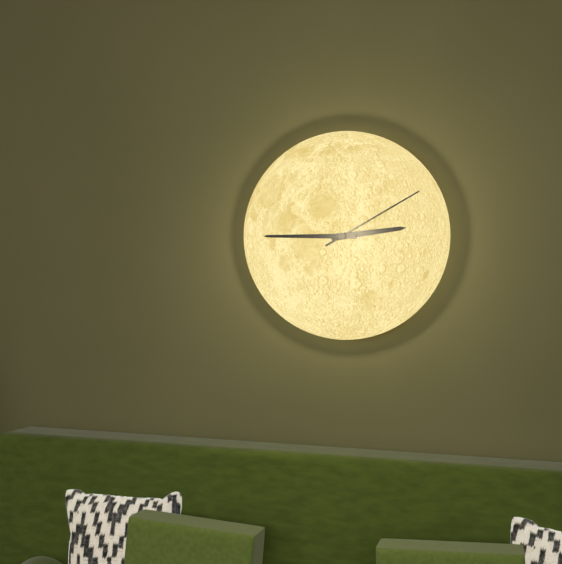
2:45:10
